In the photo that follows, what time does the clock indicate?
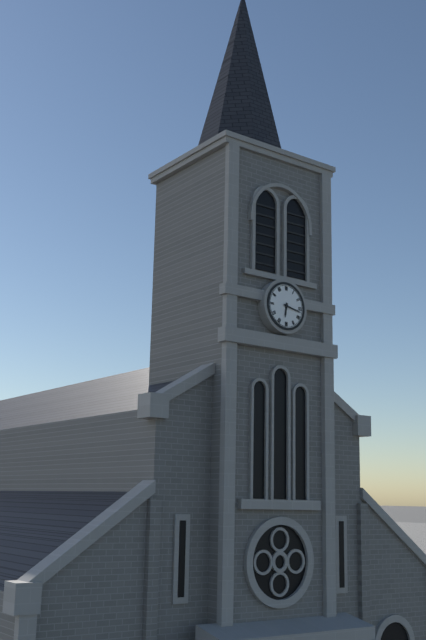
6:17
